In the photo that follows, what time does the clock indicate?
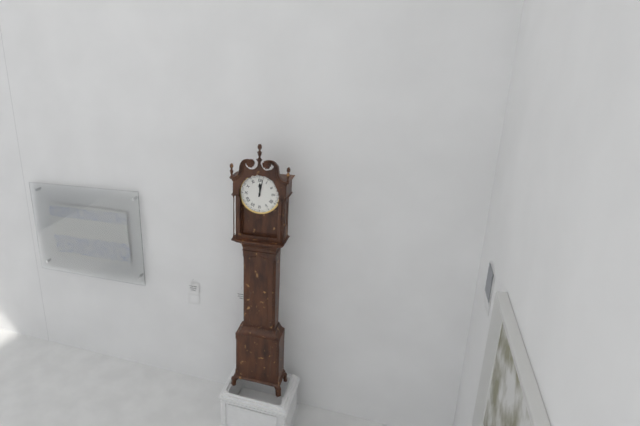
12:02
